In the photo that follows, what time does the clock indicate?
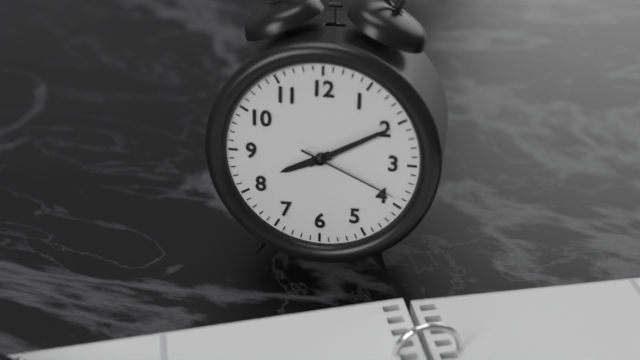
8:10:19
